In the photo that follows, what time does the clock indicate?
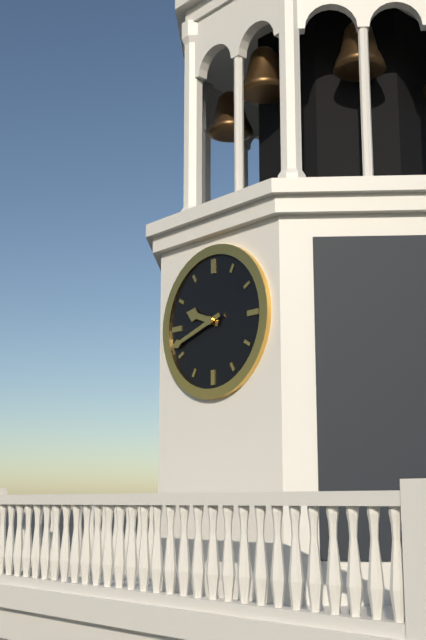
9:42
